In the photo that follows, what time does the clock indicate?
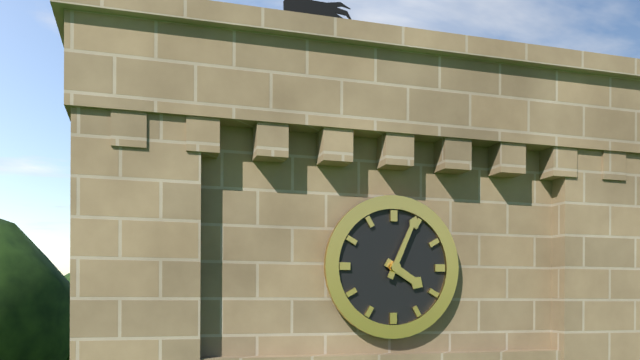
4:04
